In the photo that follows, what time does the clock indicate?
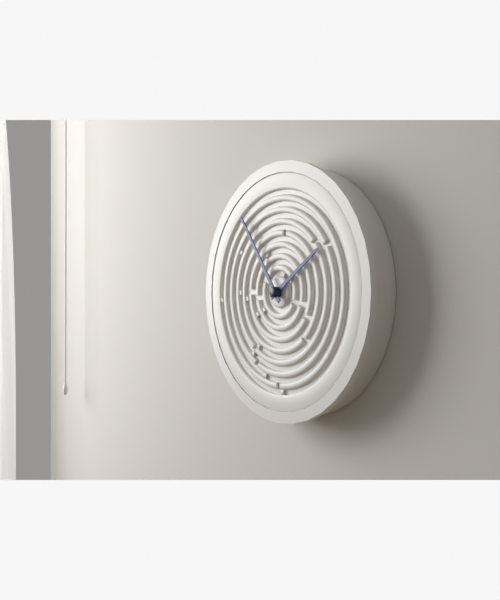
1:54
